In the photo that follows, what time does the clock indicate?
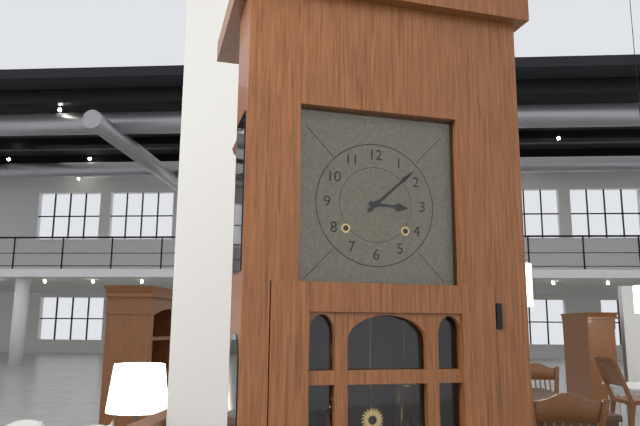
3:08
